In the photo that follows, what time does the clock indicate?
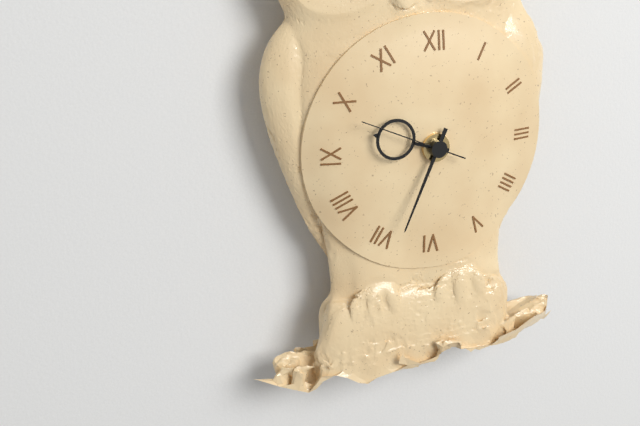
9:34:49
